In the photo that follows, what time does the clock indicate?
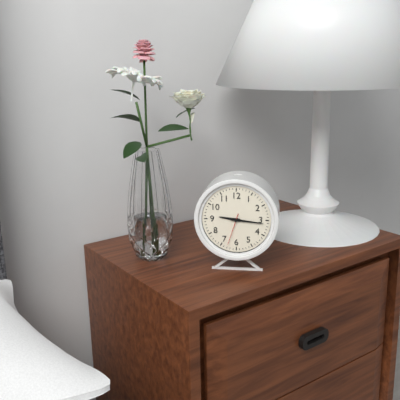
9:16
